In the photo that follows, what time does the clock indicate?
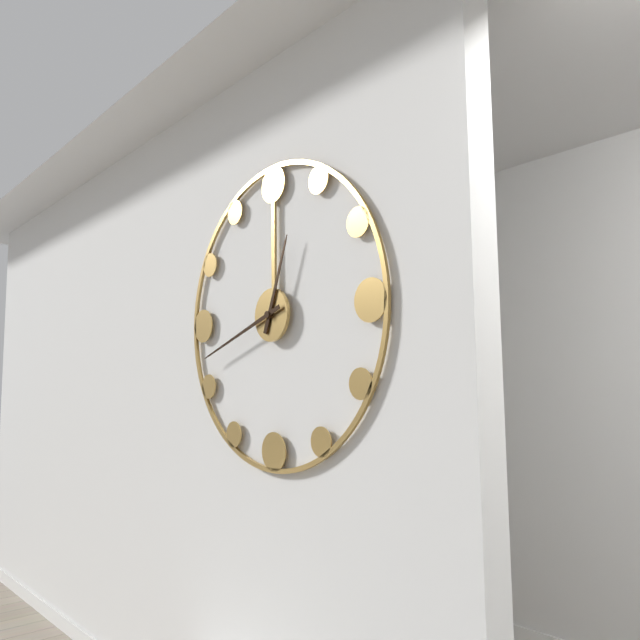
12:42
